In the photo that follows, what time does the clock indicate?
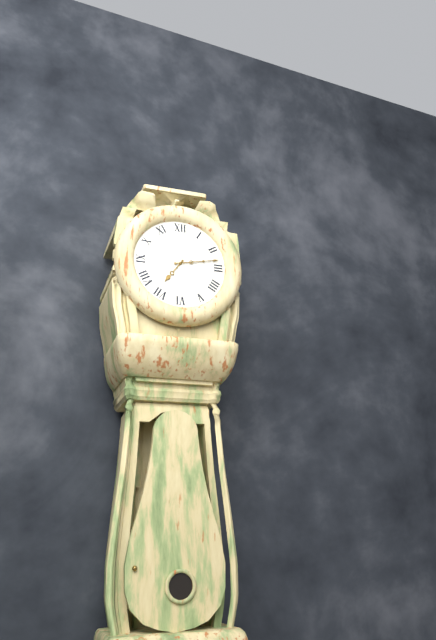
7:13
